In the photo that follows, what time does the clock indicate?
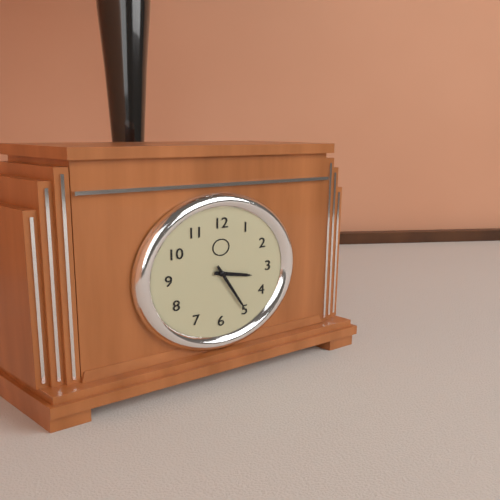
3:25
